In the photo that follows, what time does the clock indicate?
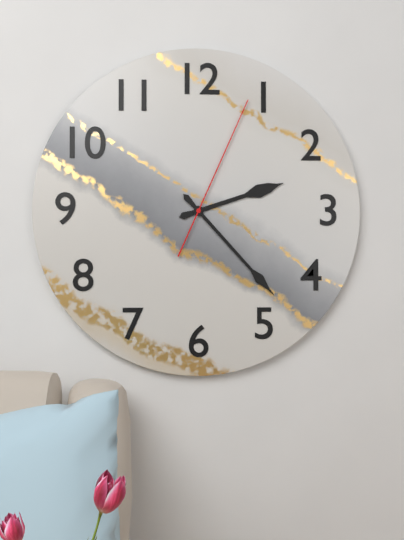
2:23:04
